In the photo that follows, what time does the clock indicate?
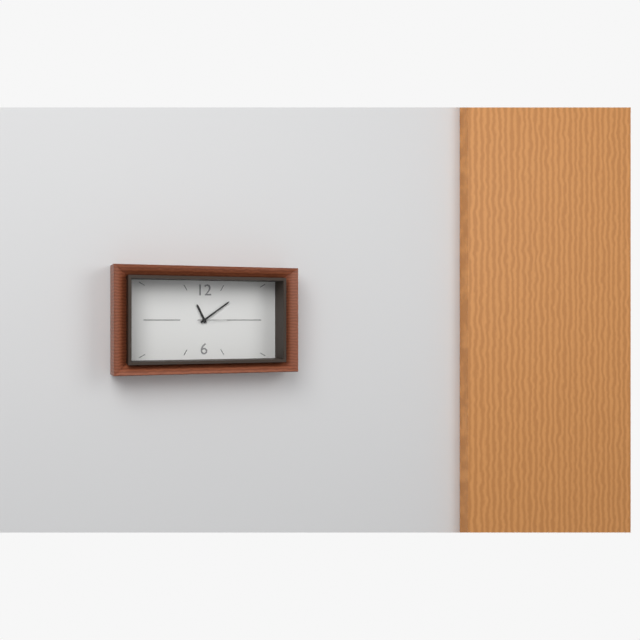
11:09
